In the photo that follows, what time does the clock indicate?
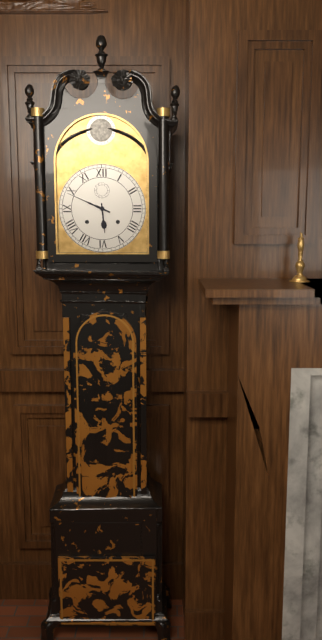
5:49
